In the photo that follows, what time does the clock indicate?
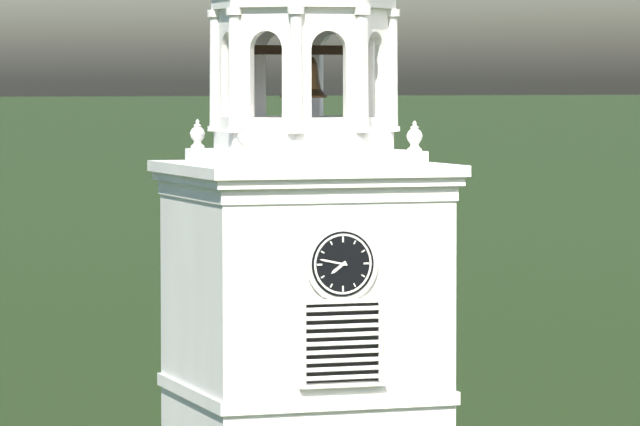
7:47
